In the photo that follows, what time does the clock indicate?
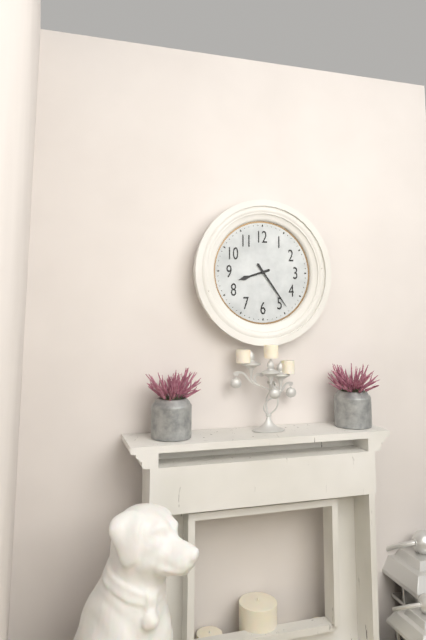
8:24
